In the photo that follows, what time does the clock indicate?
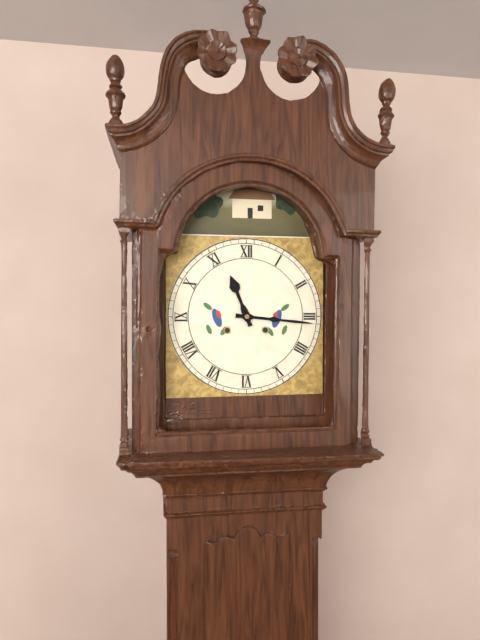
11:16
